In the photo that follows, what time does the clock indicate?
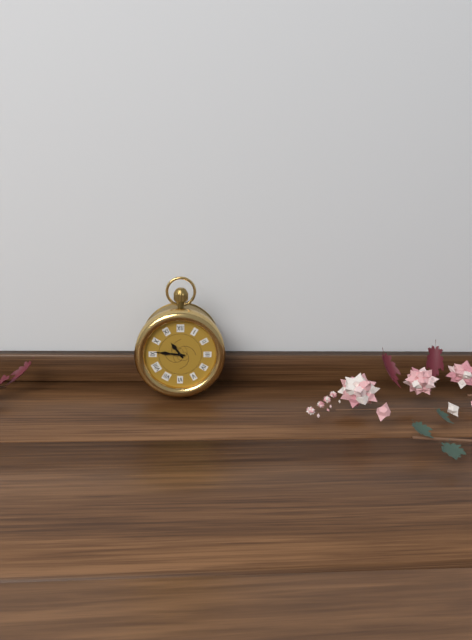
10:46
